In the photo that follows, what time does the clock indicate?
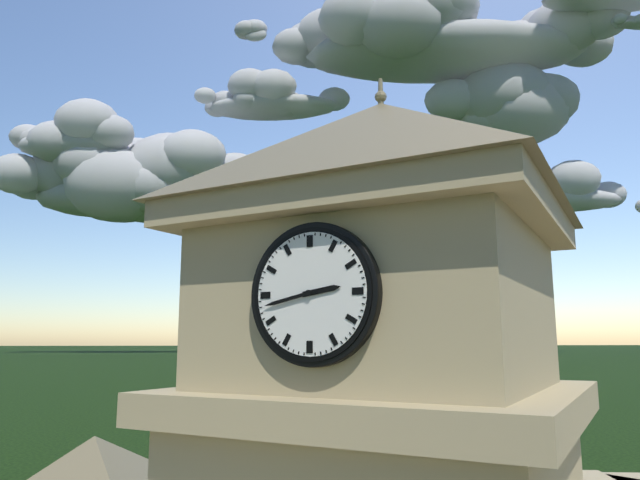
2:43
